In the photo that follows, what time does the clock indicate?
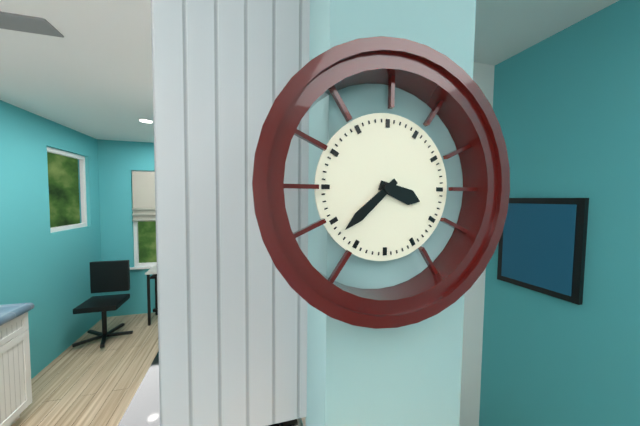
3:38
